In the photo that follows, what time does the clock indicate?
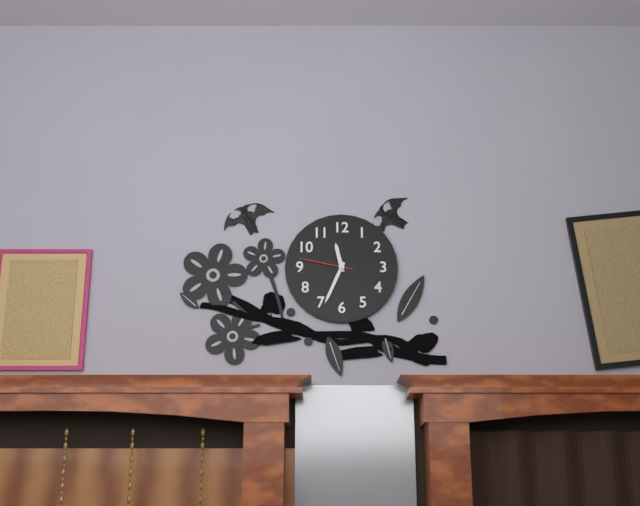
11:34:47
